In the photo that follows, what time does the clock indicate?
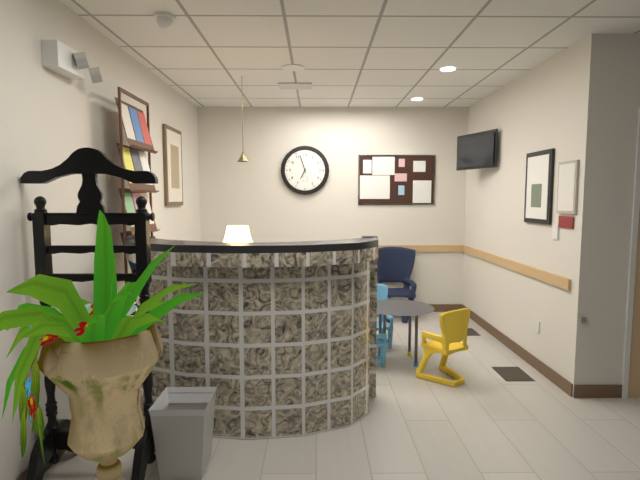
6:57
